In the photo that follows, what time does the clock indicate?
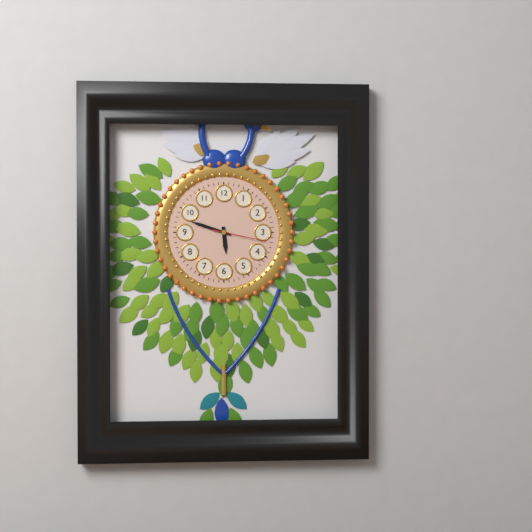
5:48:17
